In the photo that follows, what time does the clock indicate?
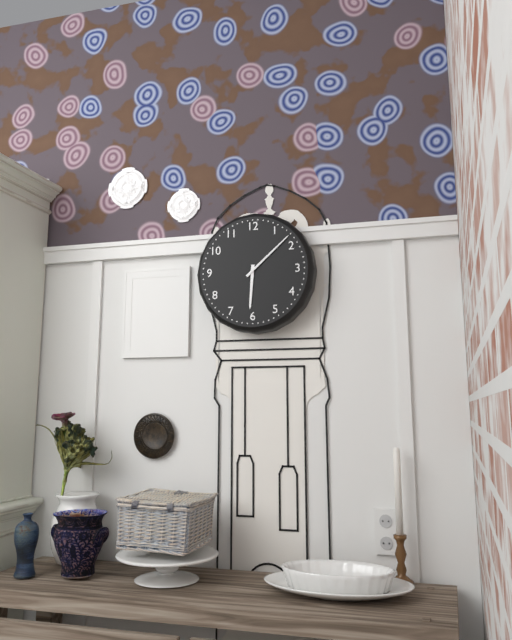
6:08
